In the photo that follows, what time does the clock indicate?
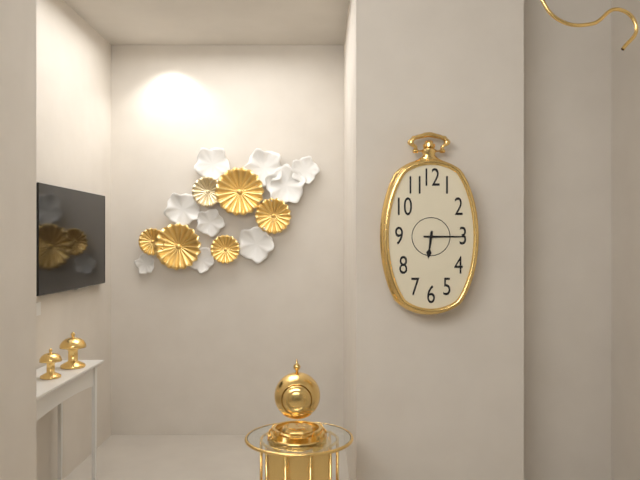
6:15
